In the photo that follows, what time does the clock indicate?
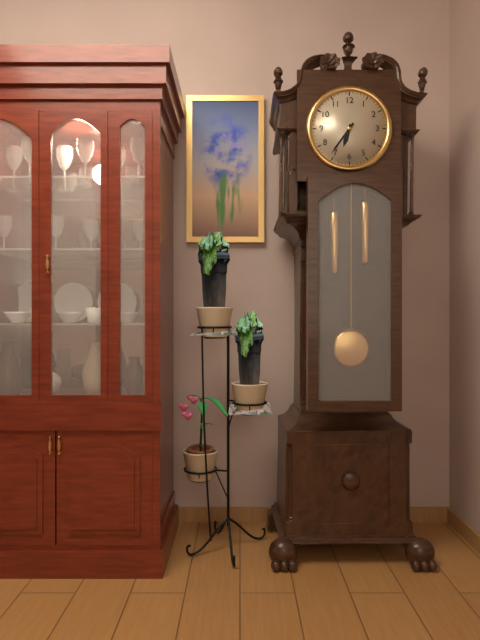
6:36
